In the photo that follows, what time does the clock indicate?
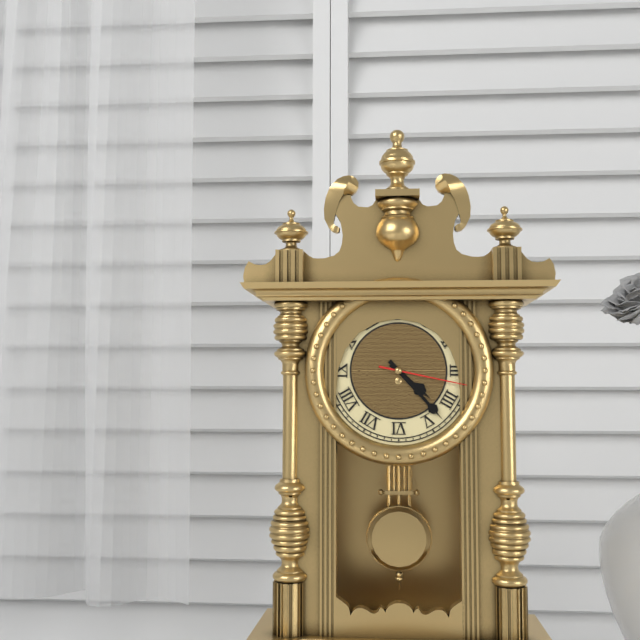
4:23:17
